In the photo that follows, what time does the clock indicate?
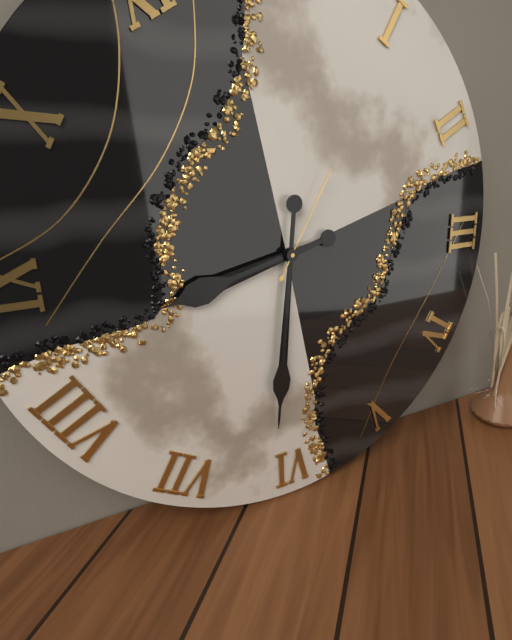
8:31:05
